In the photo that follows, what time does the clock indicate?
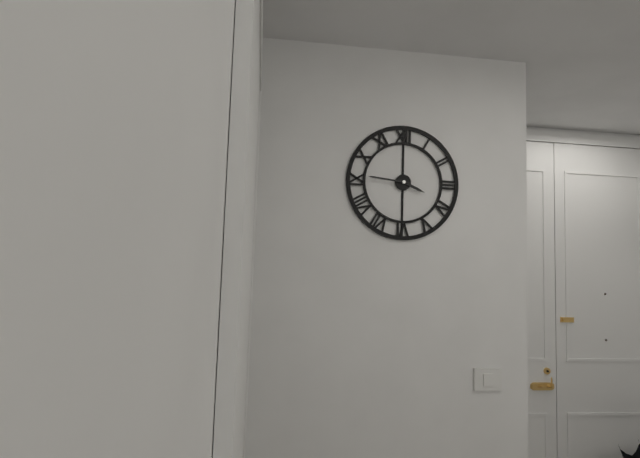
3:46
